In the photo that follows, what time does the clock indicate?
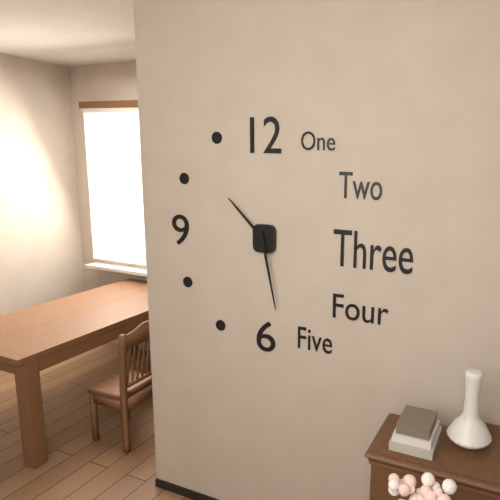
10:28
